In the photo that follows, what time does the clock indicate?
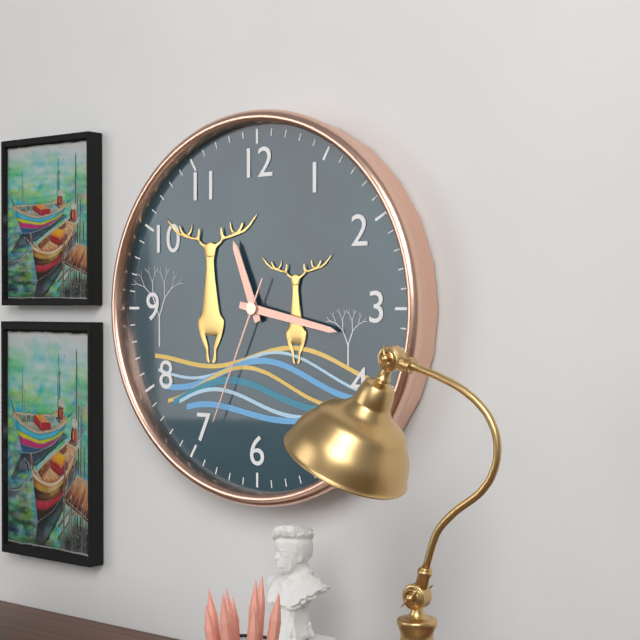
11:17:34
